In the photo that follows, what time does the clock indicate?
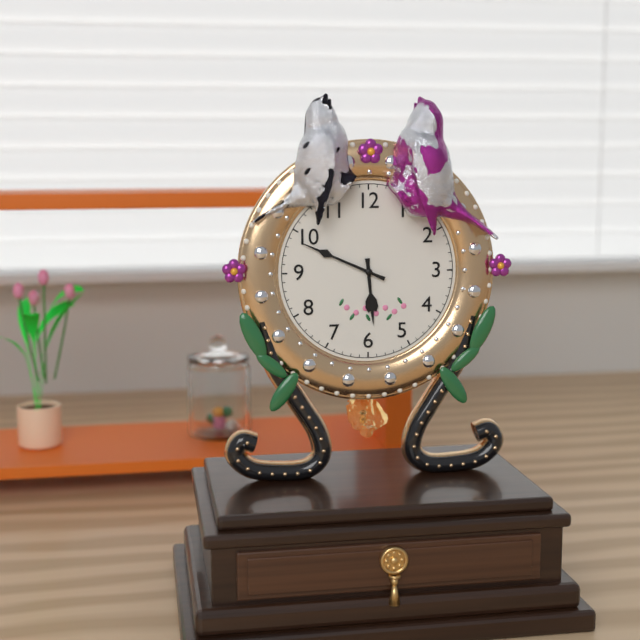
5:49
